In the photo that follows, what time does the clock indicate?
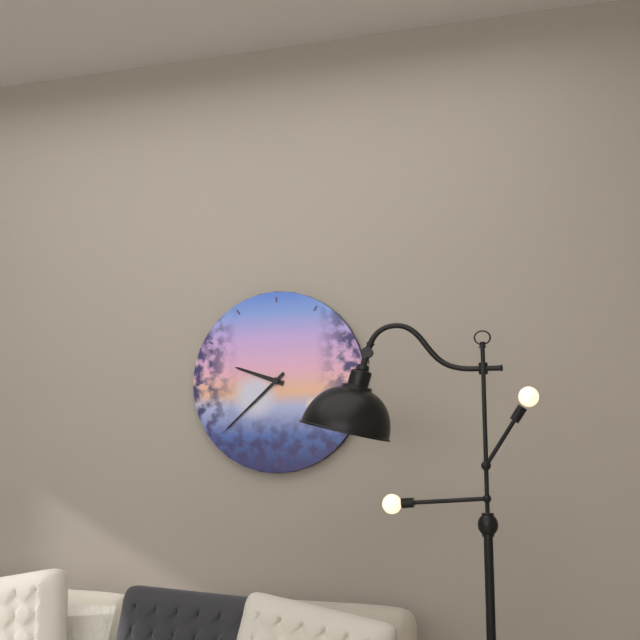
9:38
